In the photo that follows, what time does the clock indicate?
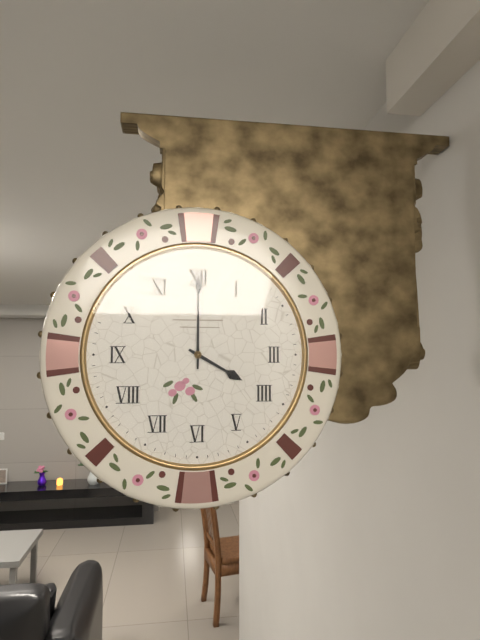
4:00
